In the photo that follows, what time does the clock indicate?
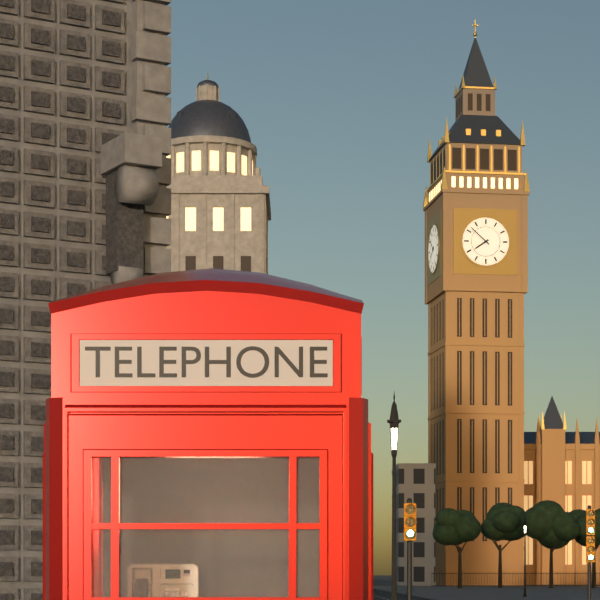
7:52
